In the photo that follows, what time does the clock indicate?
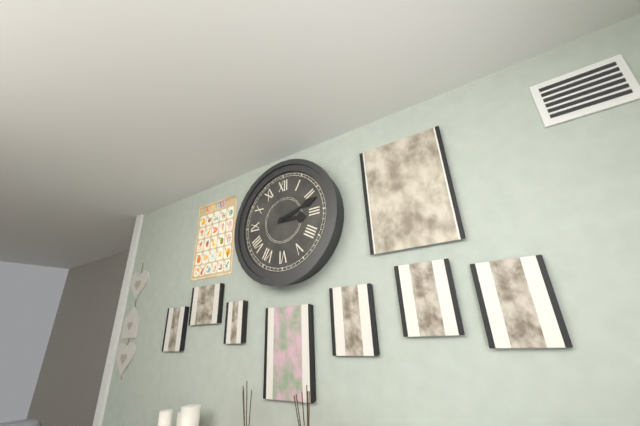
3:12
